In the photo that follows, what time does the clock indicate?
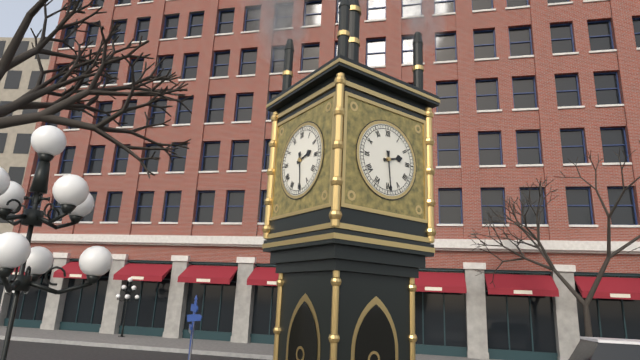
2:29
